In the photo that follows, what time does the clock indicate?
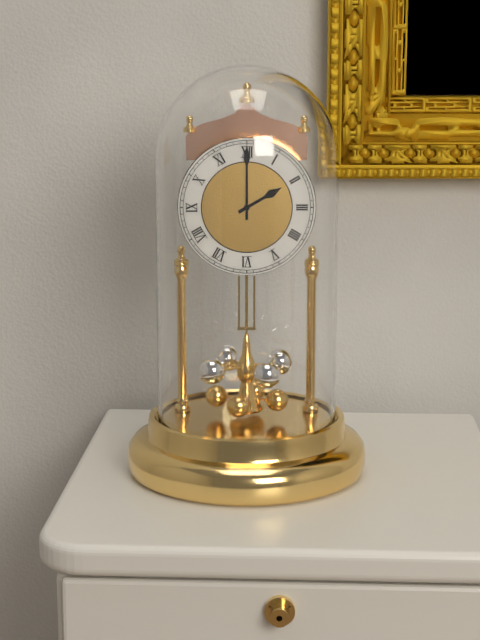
2:00
